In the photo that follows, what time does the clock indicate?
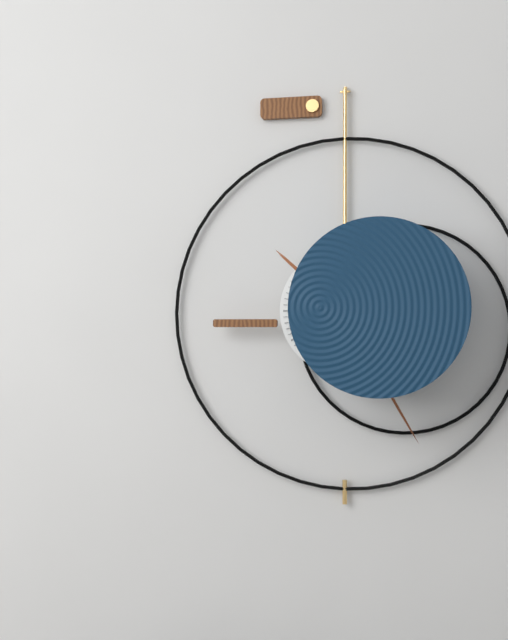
10:25
